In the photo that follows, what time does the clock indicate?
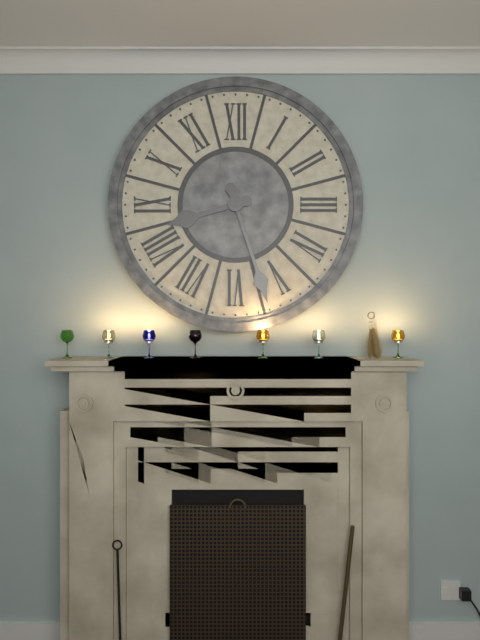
8:27
